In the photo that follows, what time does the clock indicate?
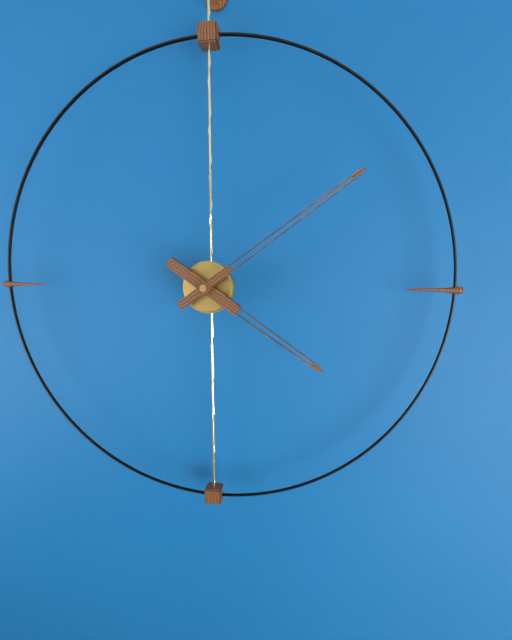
4:09
